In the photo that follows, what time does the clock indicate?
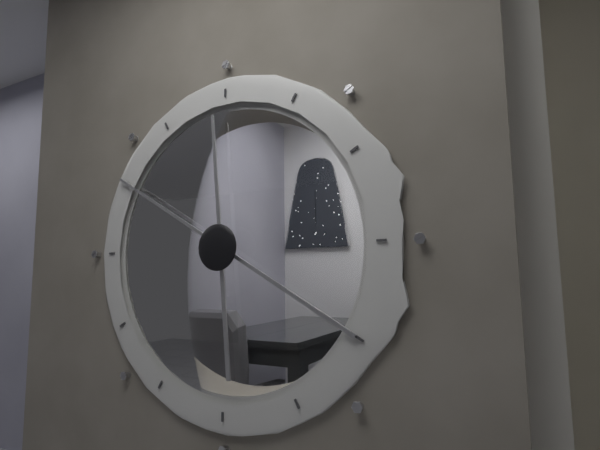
11:50
